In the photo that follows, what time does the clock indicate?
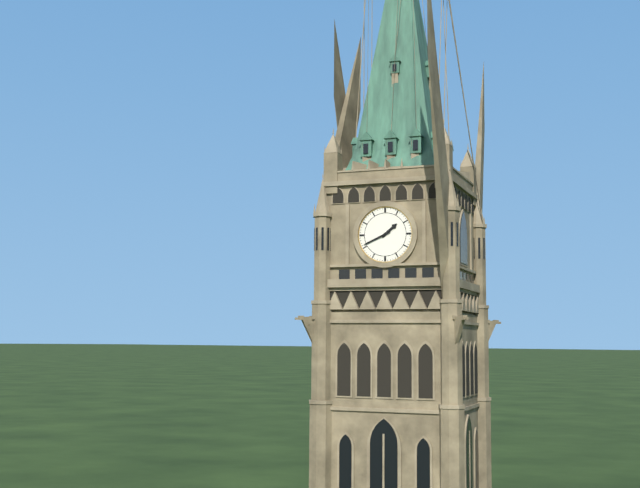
1:41
